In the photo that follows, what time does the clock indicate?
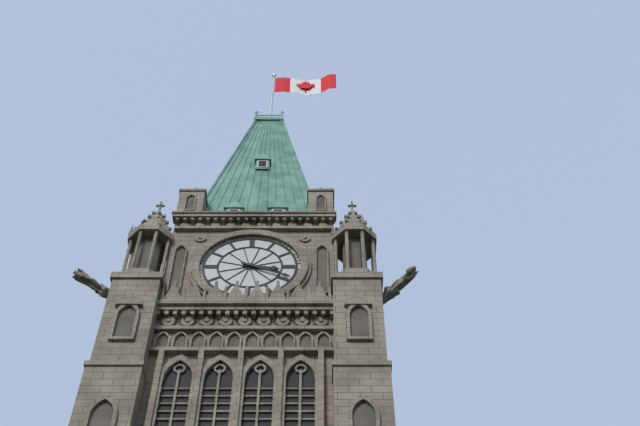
3:19
